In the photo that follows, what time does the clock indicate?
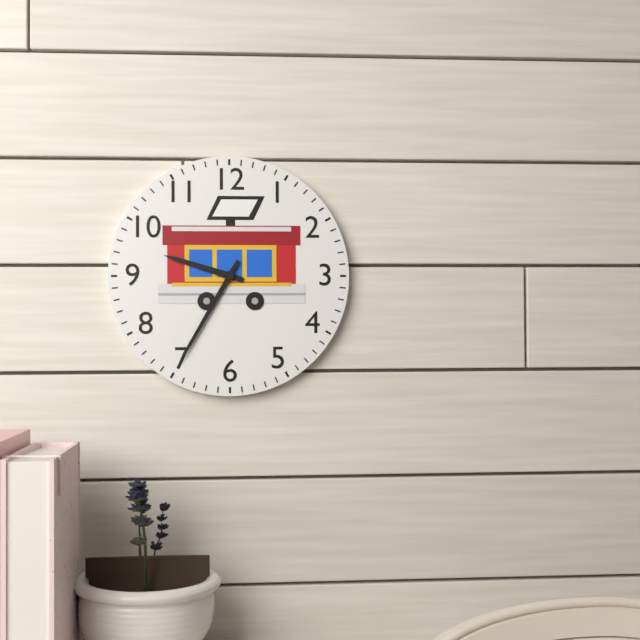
9:35
